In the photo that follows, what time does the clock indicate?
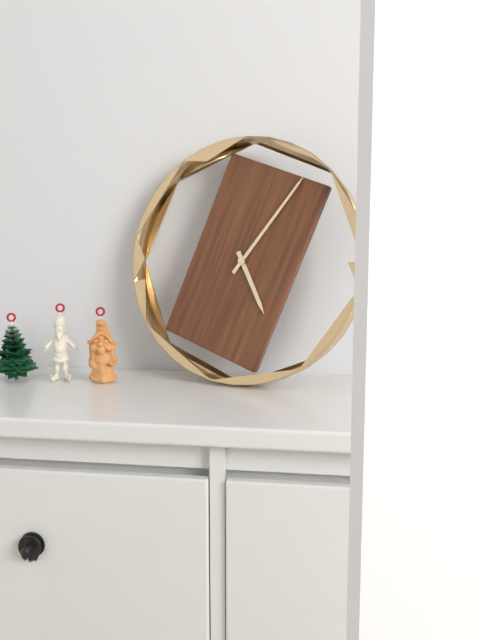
5:06
